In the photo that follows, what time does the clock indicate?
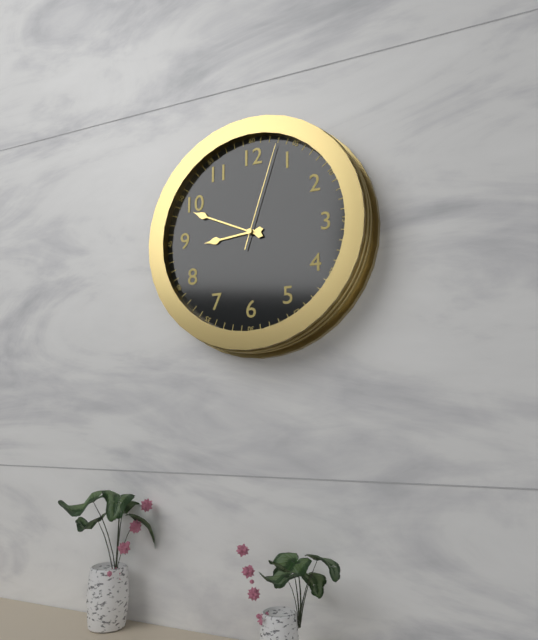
8:49:03
